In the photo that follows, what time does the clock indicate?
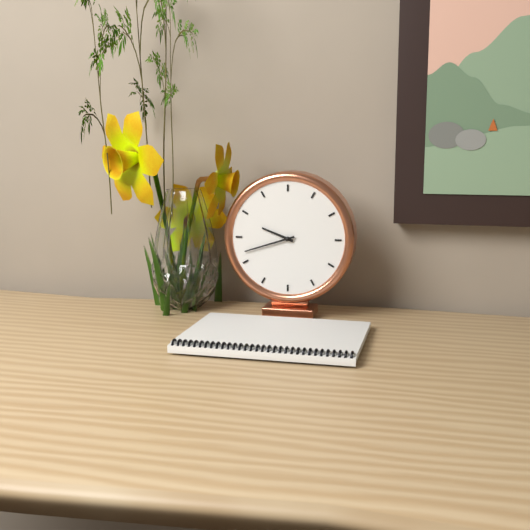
9:42
